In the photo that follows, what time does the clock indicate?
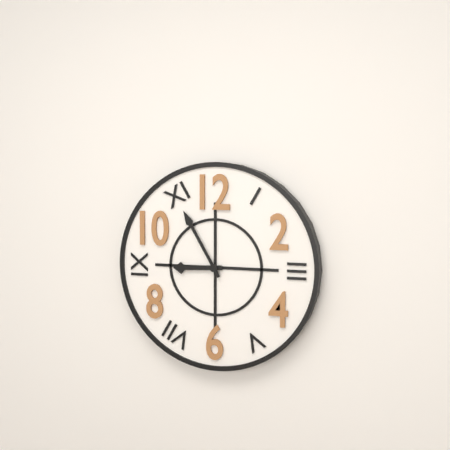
8:55
